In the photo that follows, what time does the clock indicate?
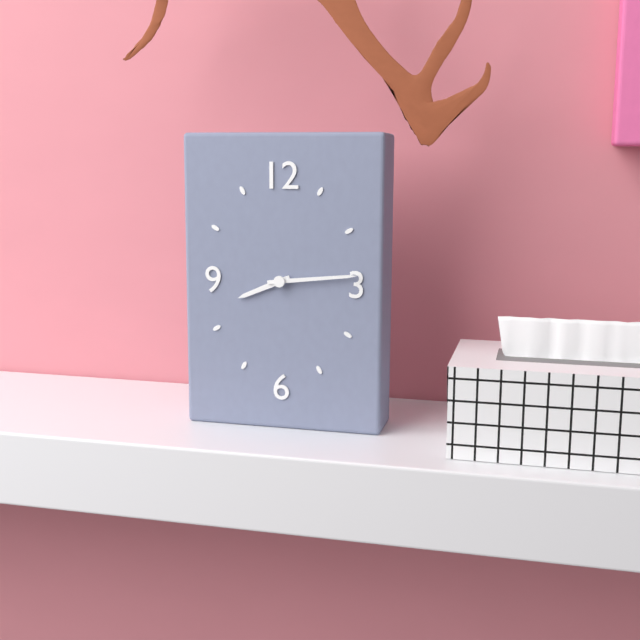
8:14
